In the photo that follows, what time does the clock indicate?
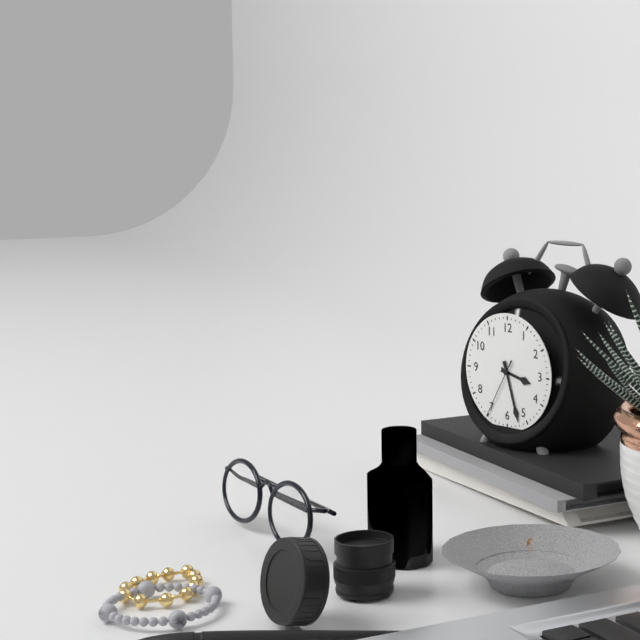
3:27:35
